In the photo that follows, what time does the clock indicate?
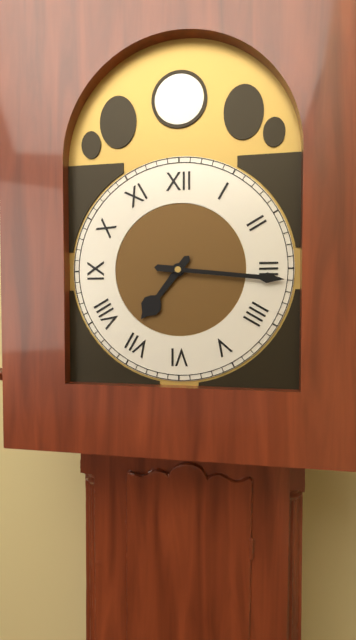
7:16
